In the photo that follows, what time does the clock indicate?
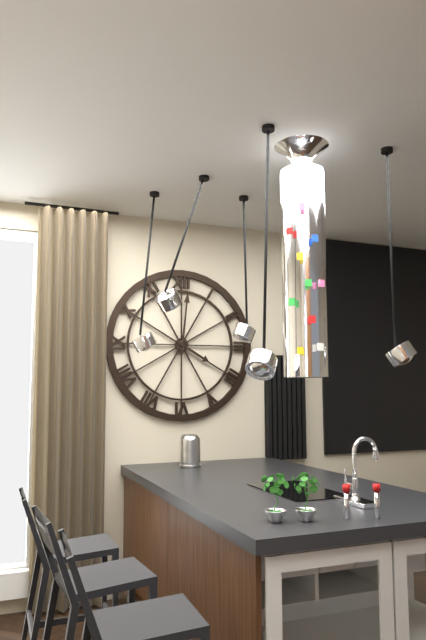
4:01
